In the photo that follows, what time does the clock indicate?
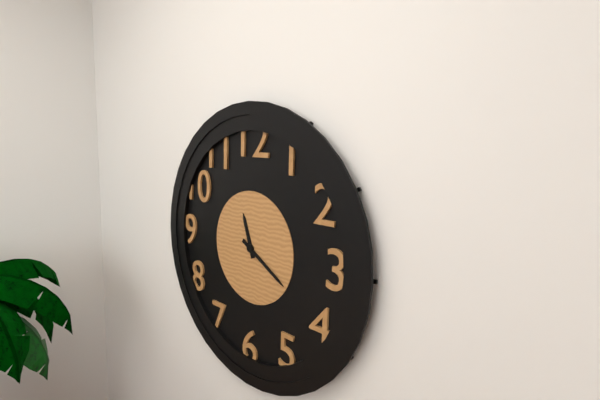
11:20
